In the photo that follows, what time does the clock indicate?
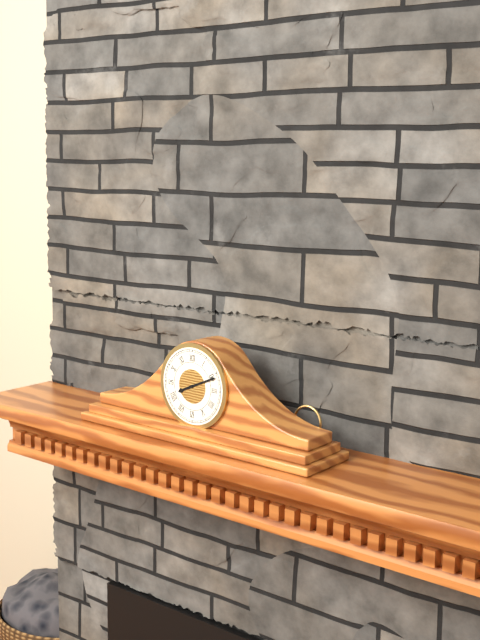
8:11
